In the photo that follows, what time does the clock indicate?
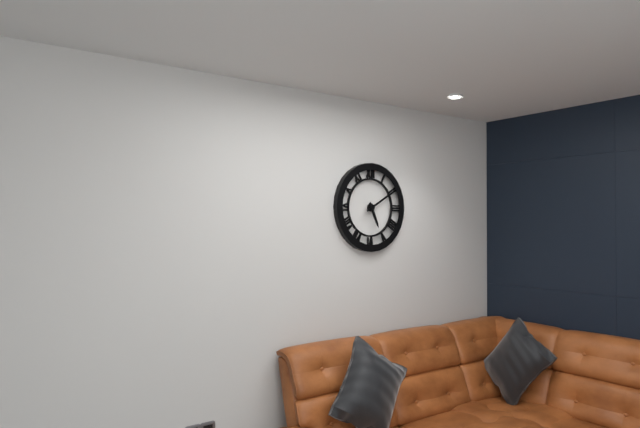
5:10
